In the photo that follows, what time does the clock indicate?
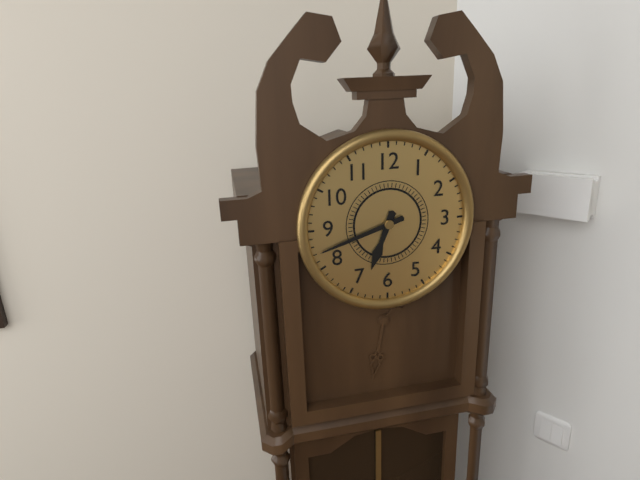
6:42
